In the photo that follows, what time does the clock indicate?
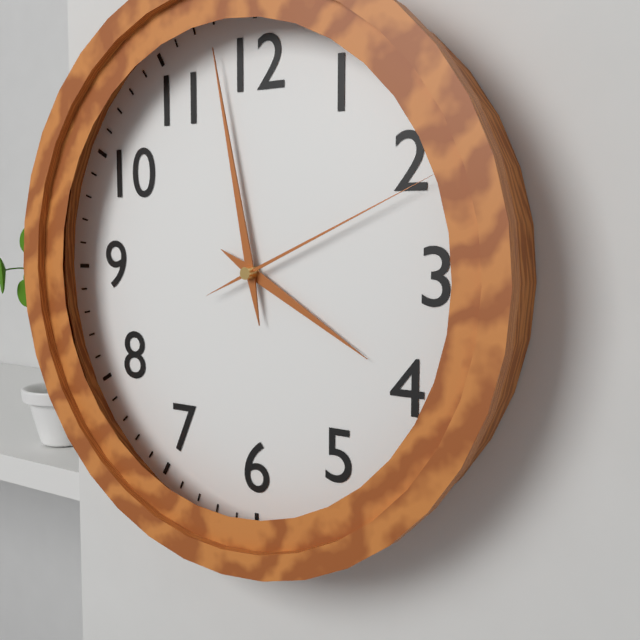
3:58:11
